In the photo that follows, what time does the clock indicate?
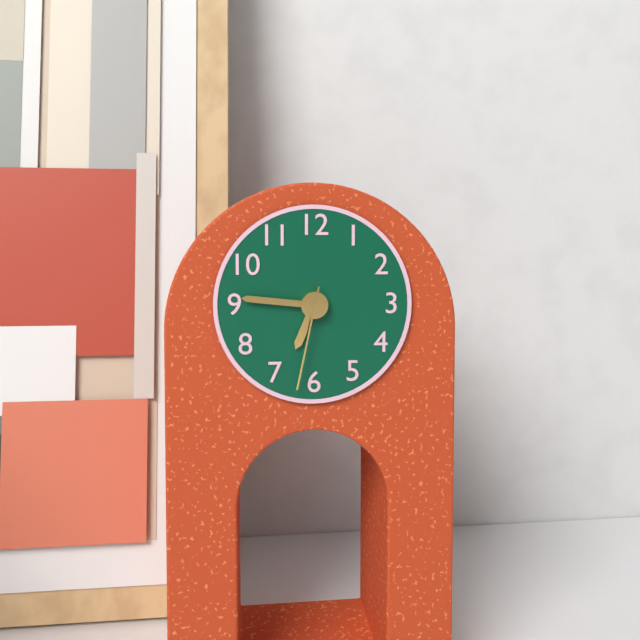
6:46:32
